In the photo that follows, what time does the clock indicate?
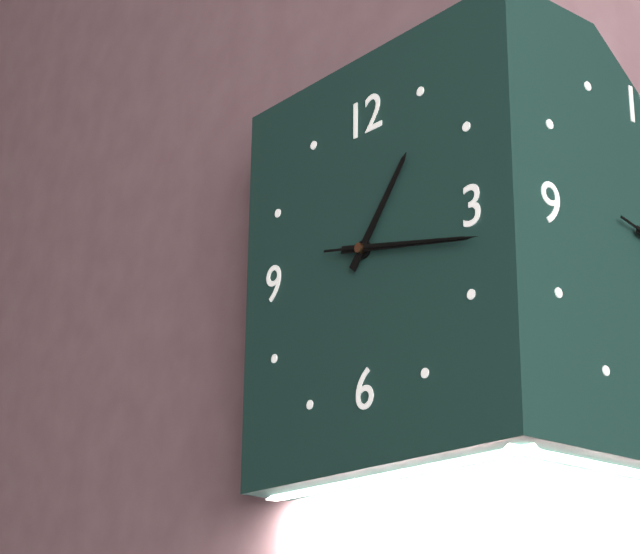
1:17:17
